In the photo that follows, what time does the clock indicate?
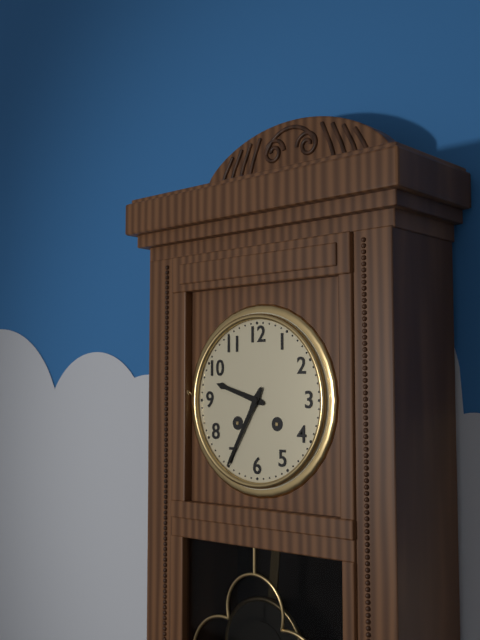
9:35
